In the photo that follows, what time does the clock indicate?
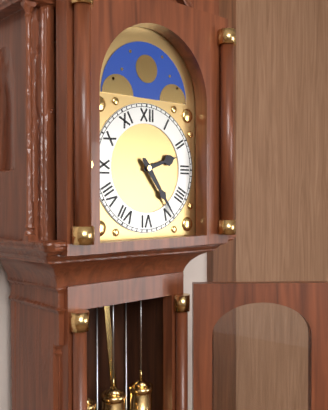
2:24
